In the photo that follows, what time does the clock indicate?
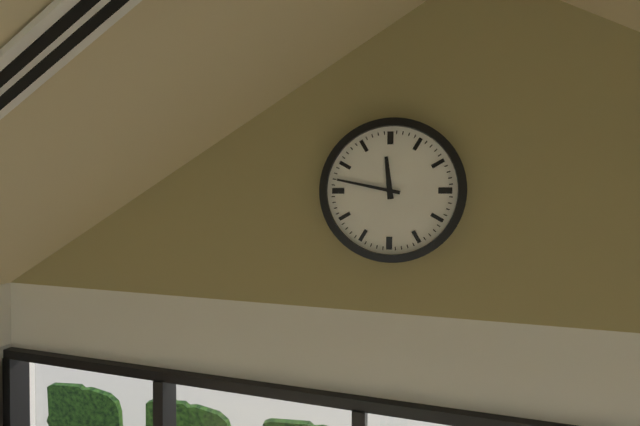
11:47
